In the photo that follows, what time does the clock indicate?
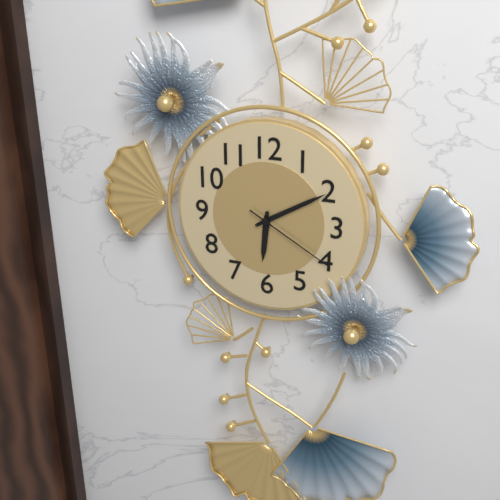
6:10:20
